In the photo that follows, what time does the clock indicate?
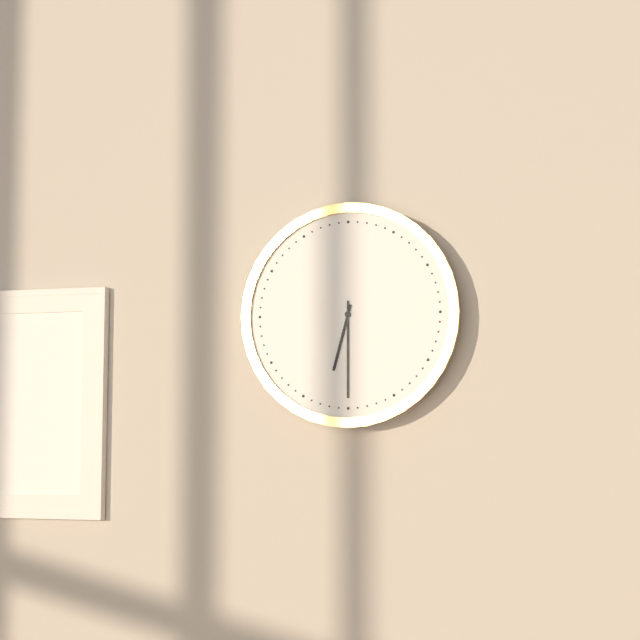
6:30
